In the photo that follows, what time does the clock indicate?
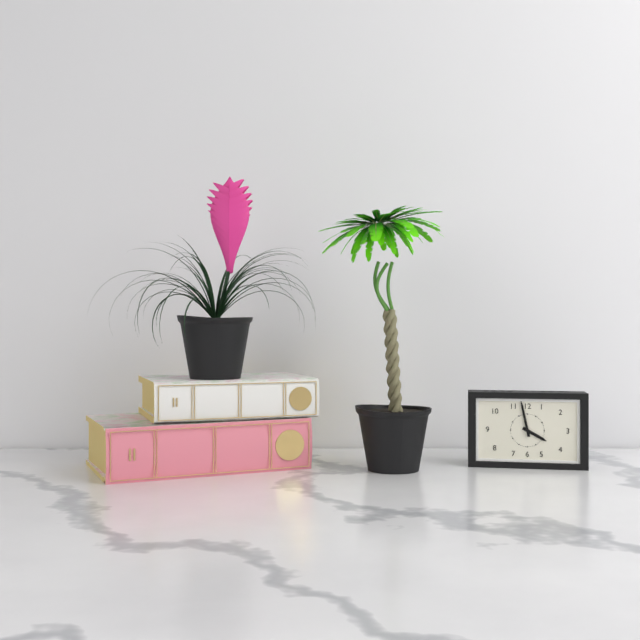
3:58
